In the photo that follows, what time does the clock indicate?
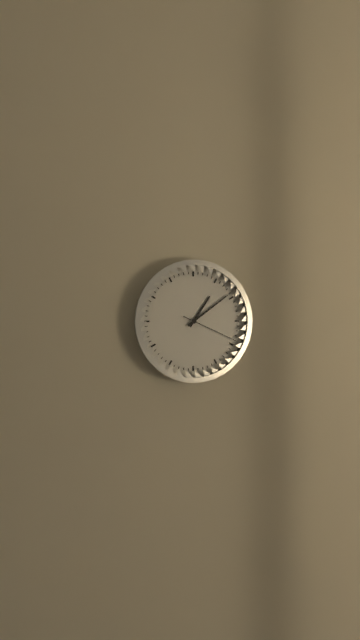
1:09:19
